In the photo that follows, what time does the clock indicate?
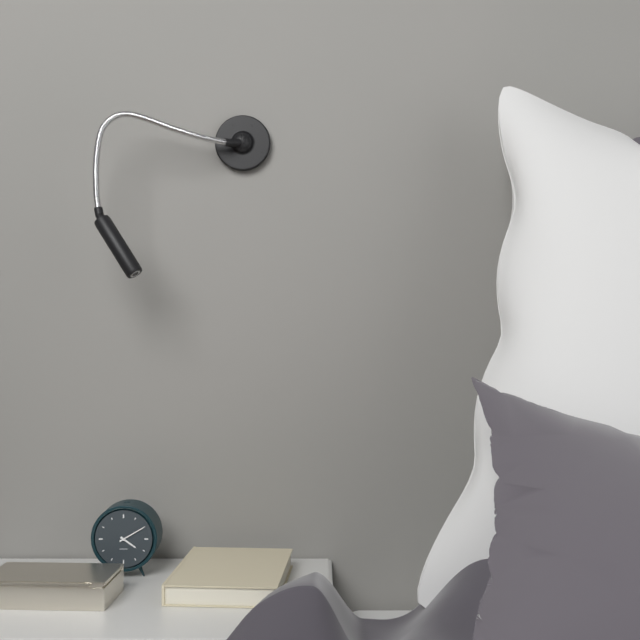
4:10
